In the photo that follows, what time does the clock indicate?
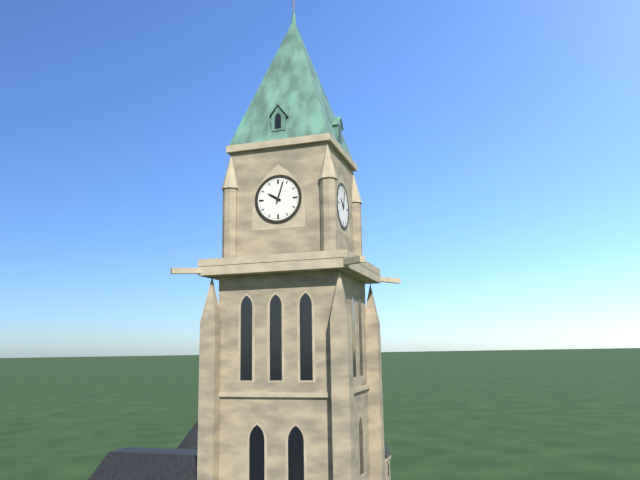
10:03
